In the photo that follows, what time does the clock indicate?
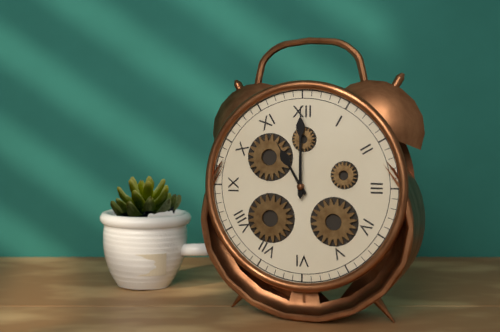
11:00
